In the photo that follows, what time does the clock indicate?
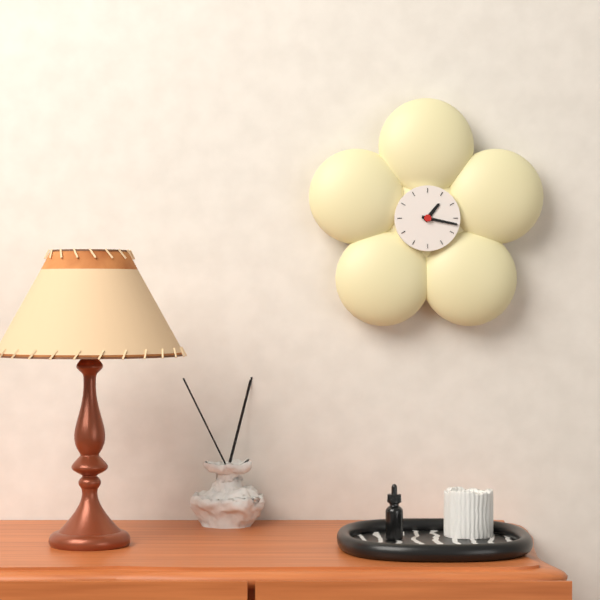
1:17
